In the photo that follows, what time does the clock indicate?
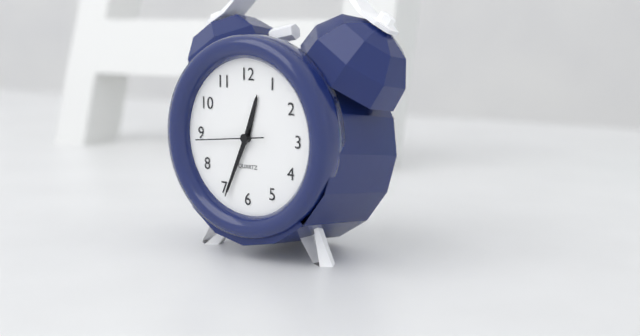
12:34:44
